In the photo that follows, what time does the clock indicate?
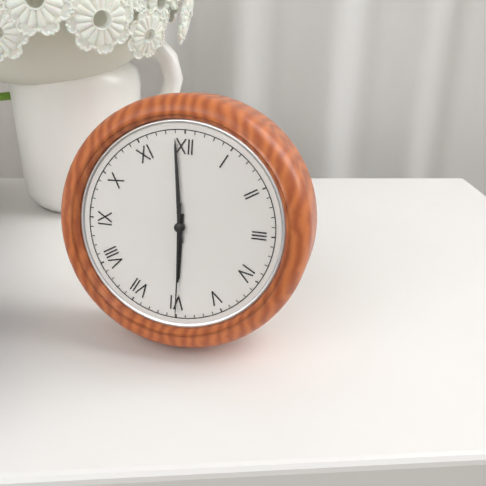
5:59:30
